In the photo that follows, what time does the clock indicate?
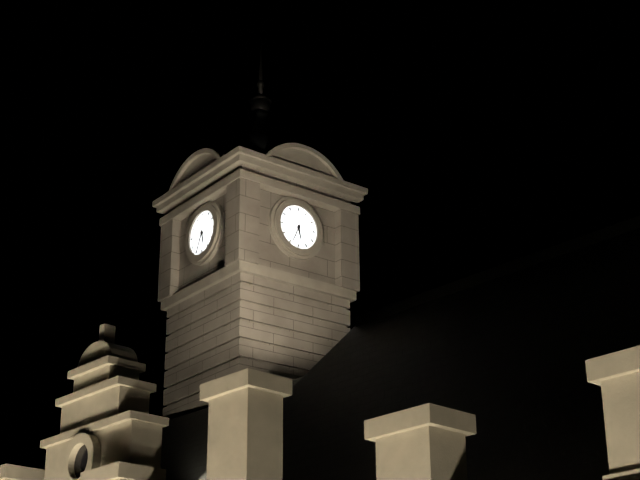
5:34
